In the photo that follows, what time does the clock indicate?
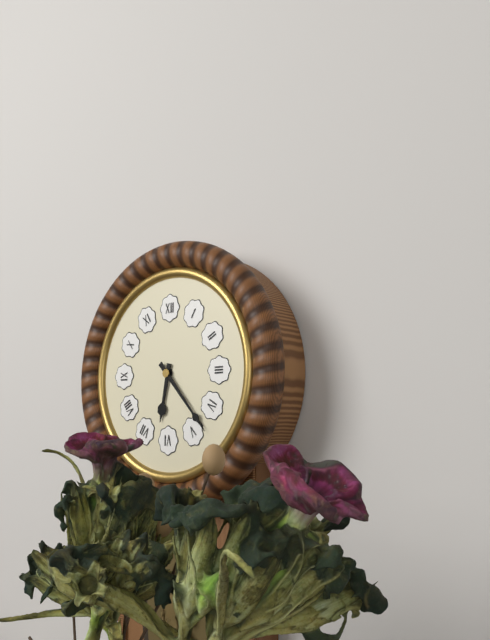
6:23
